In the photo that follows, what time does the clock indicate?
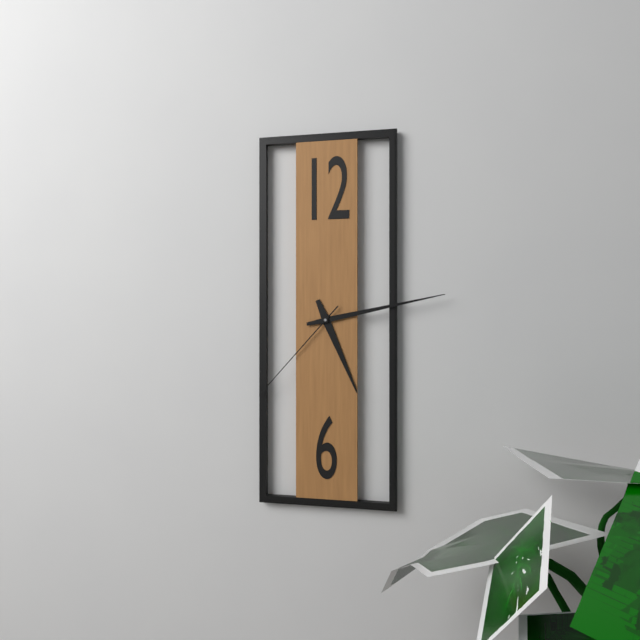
5:13:37
